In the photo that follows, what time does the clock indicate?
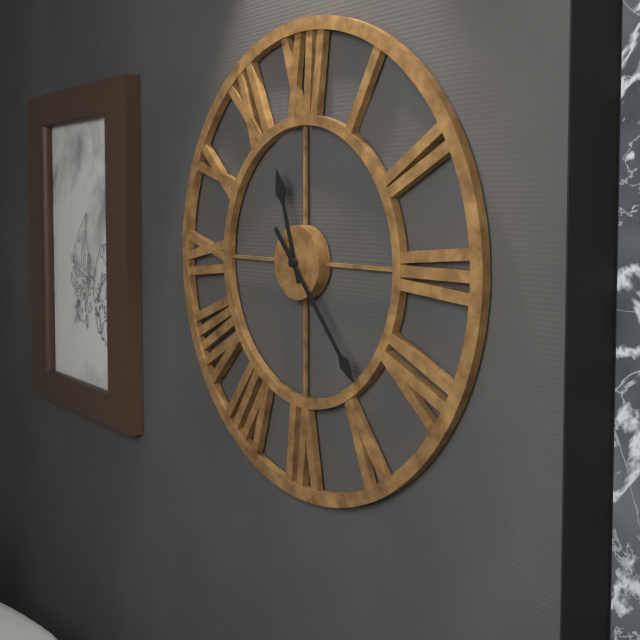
11:23
